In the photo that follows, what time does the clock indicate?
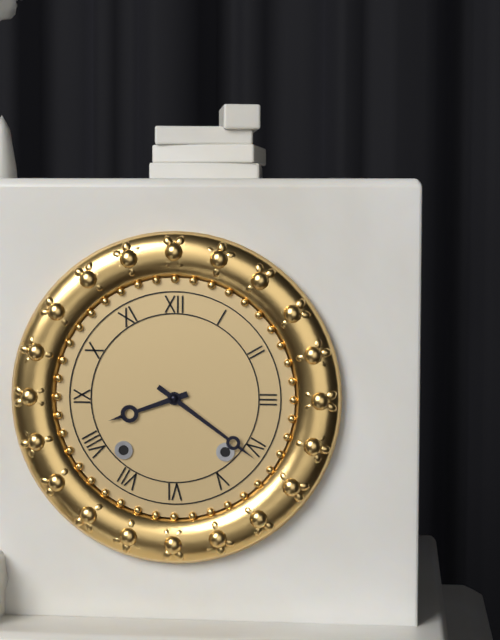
8:21
